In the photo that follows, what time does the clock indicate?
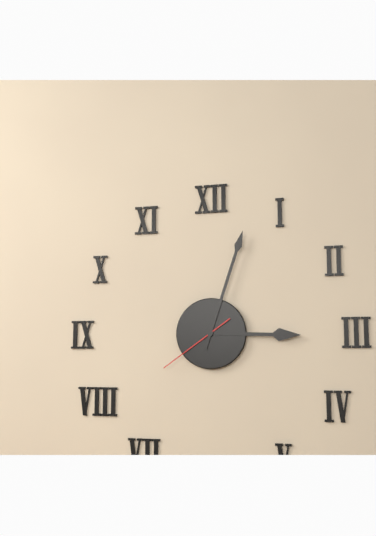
3:03:39
